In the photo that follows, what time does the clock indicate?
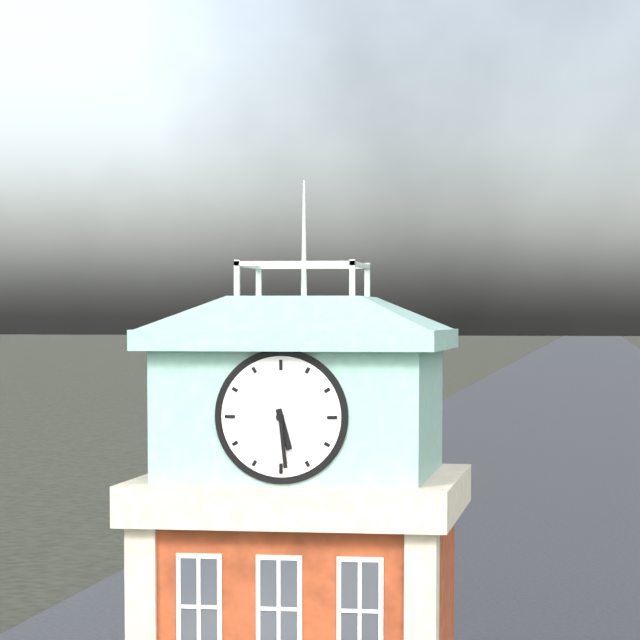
5:29
